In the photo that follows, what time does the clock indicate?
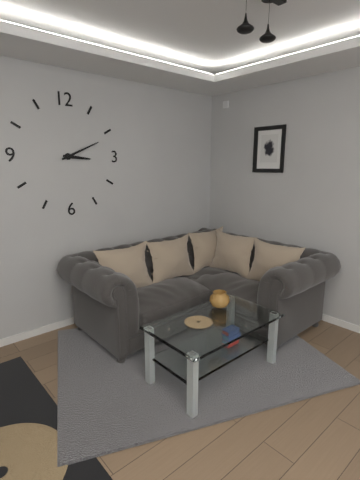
3:11
